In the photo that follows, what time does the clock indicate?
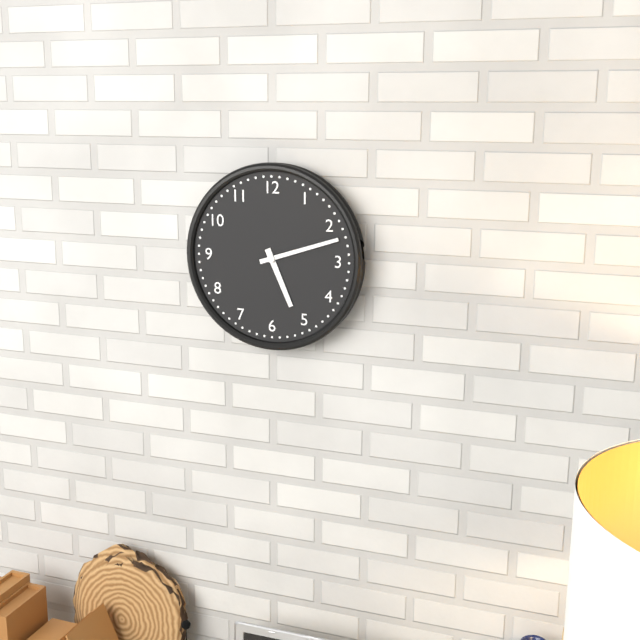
5:12
